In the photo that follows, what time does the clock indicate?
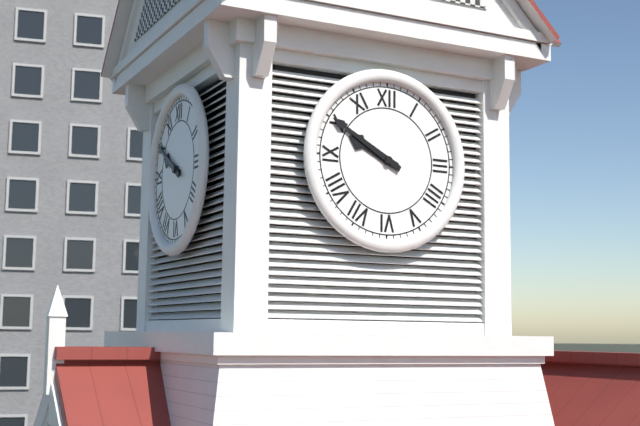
9:50
